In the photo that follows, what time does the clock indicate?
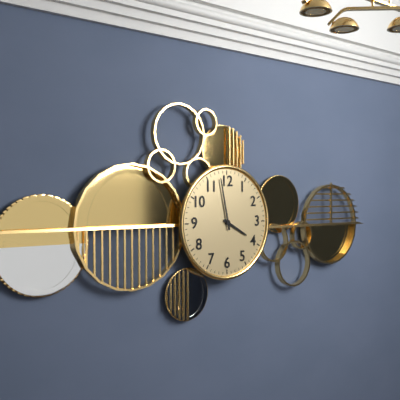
3:58
